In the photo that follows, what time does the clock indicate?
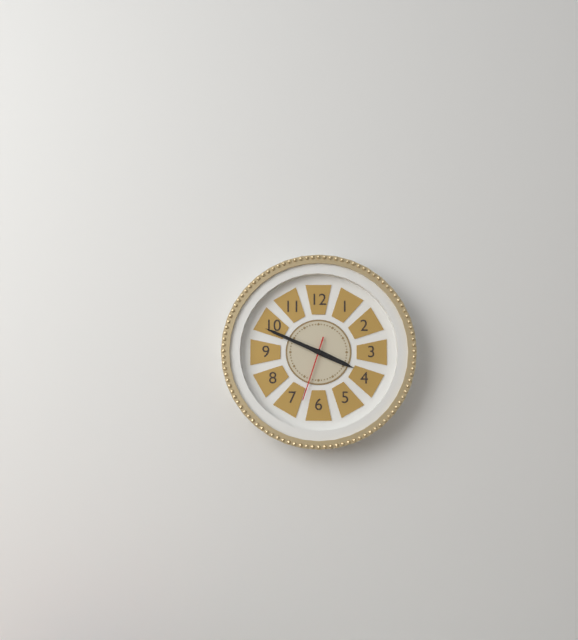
3:49:33
